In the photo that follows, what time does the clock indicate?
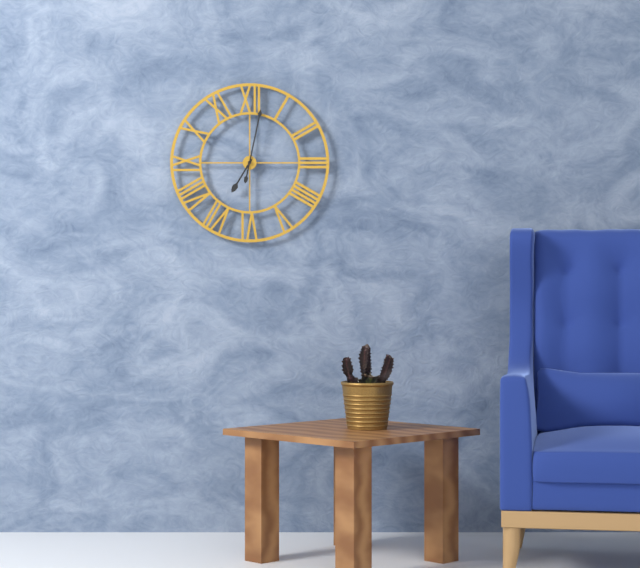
7:02
